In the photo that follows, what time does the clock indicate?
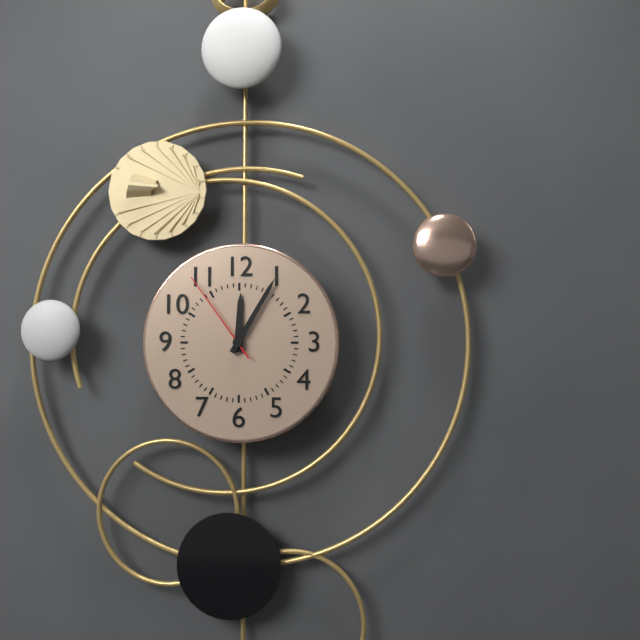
12:05:54
